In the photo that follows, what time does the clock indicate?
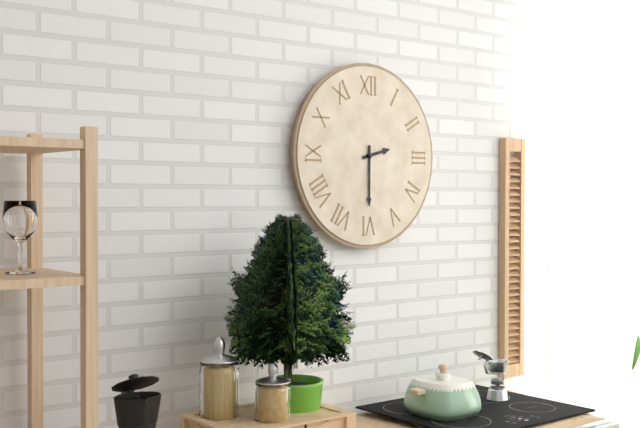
2:30
